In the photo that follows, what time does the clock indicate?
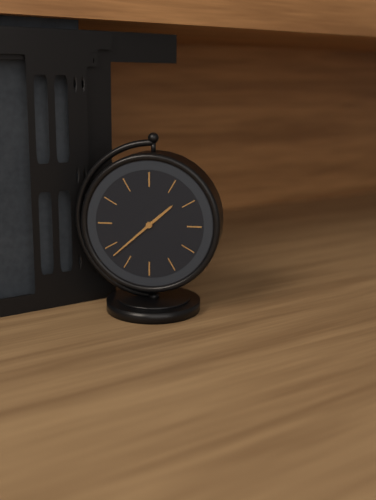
1:38
